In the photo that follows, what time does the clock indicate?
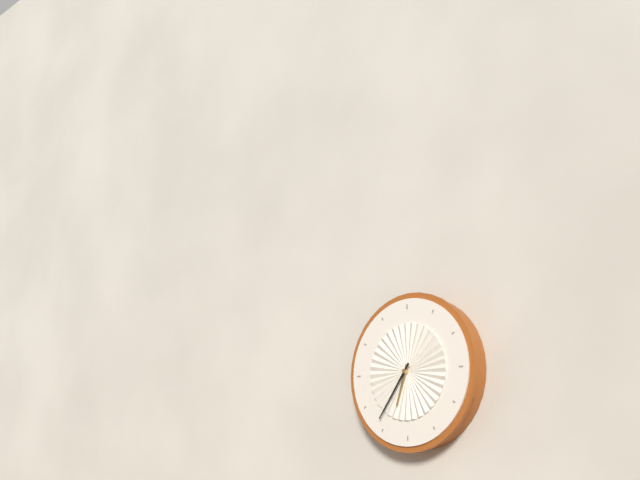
6:36
